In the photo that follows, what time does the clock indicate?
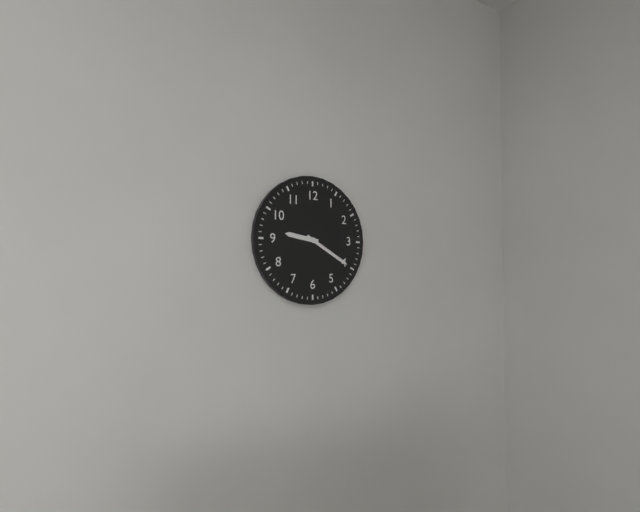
9:20
